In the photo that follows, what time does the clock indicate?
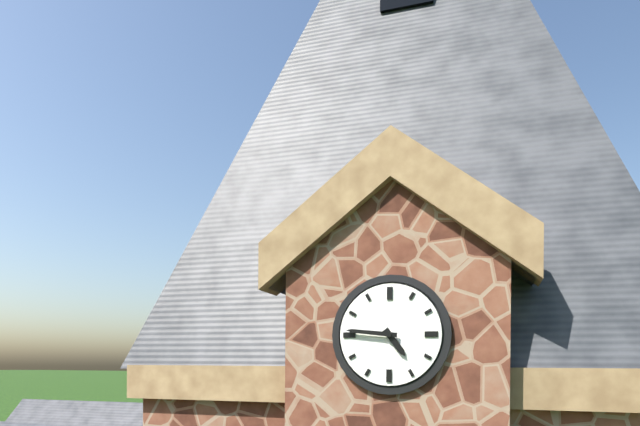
4:46
